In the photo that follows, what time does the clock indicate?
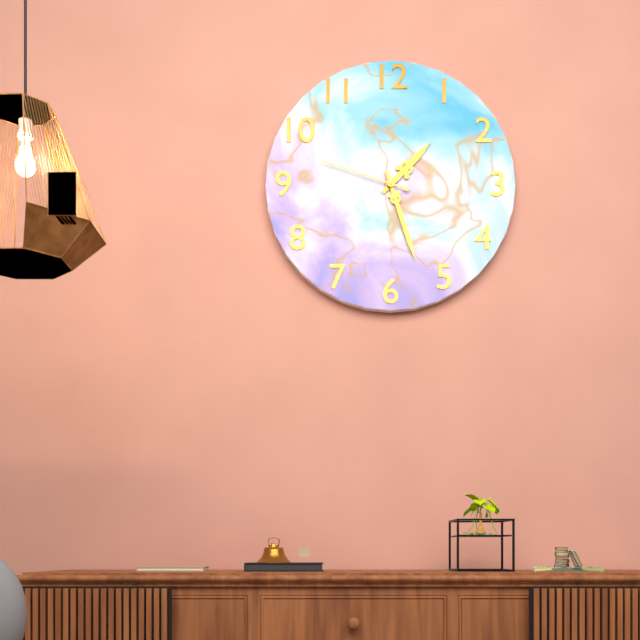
1:27:48
